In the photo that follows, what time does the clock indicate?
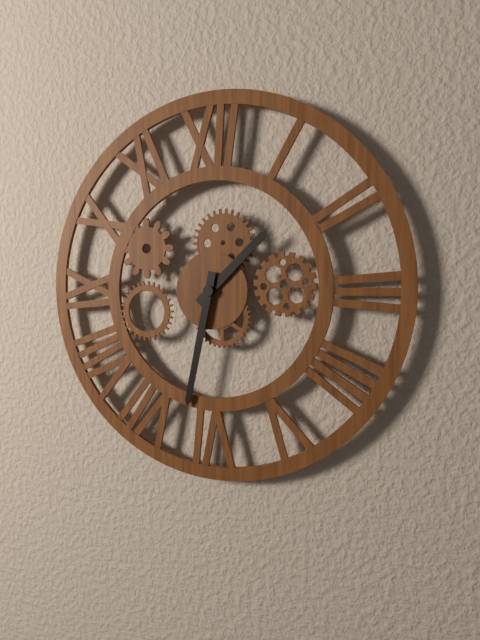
1:32
